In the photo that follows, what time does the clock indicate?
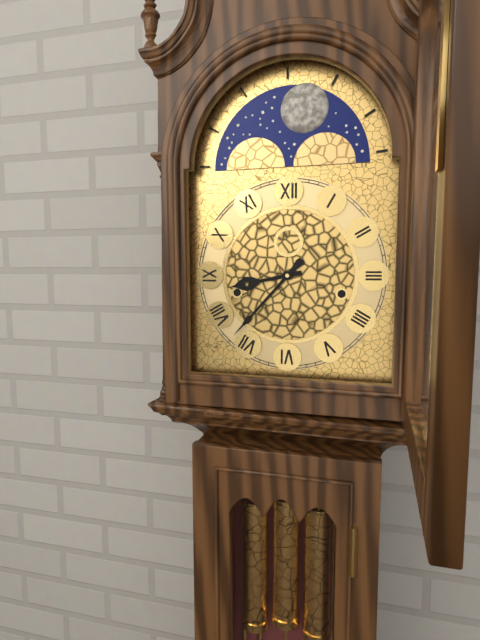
8:37
